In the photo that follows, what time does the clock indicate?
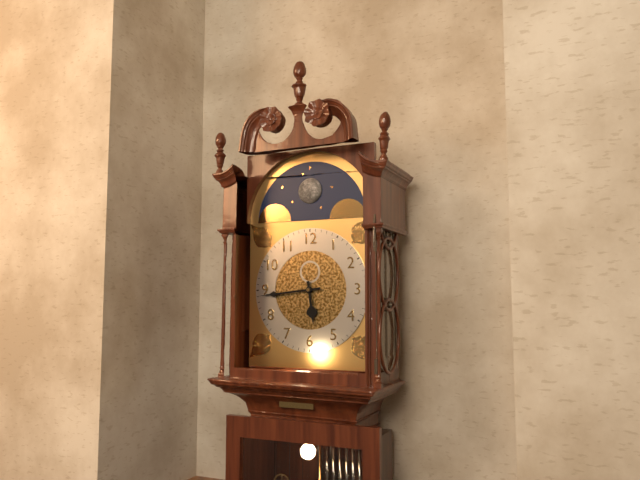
5:44
